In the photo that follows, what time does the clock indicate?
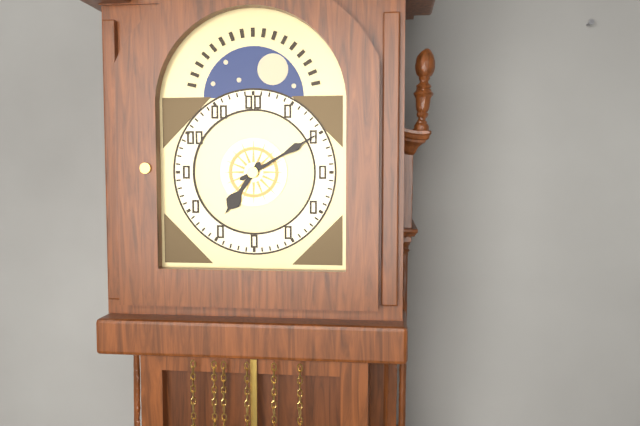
7:10
